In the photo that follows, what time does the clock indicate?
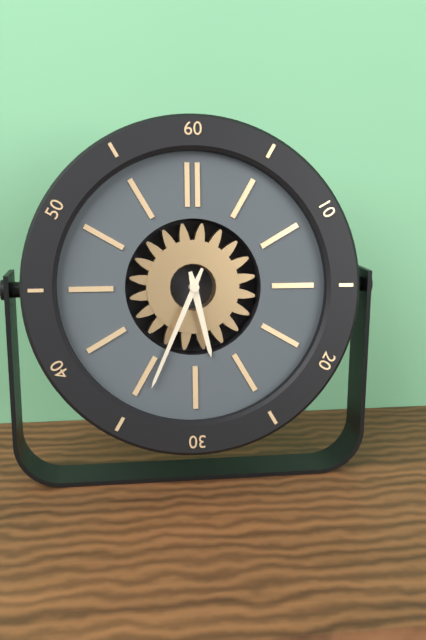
5:34
